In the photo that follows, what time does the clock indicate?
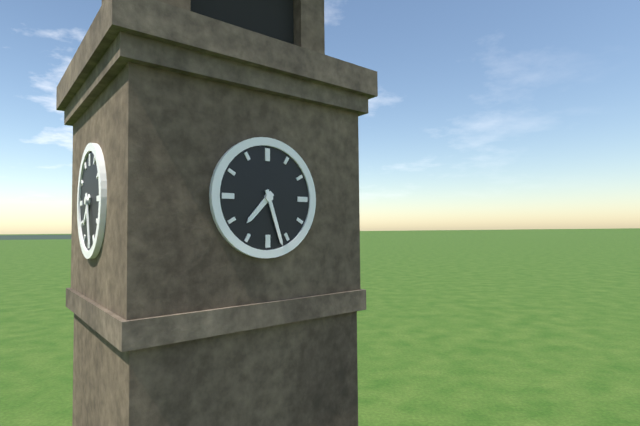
7:27
